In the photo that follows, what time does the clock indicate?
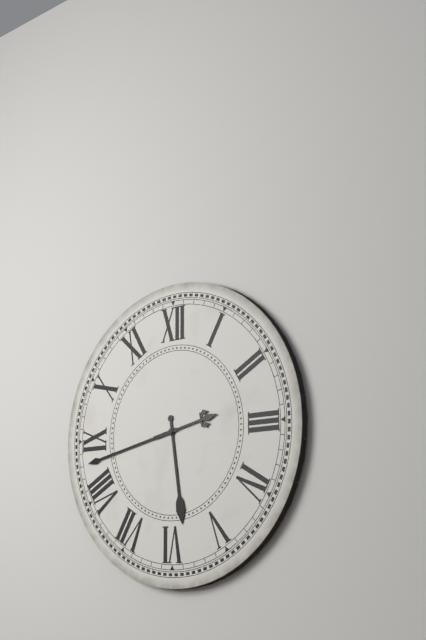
5:43
